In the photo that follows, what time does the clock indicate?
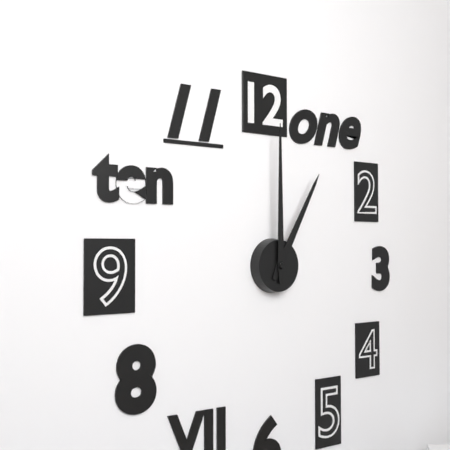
1:00
